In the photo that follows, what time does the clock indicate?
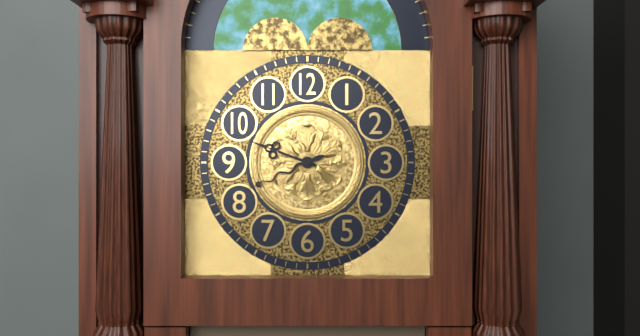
9:41
